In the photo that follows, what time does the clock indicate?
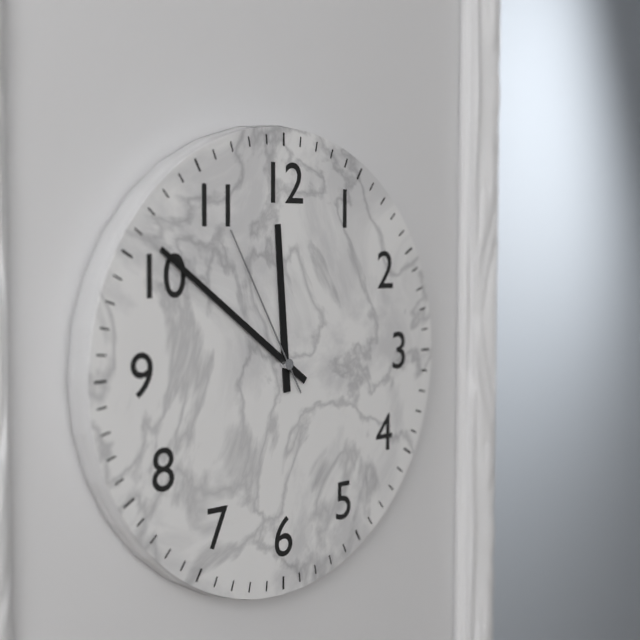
11:51:55
